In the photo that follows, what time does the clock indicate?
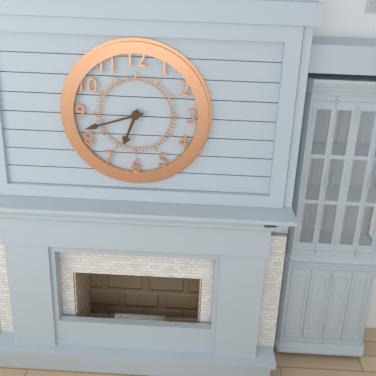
6:42
